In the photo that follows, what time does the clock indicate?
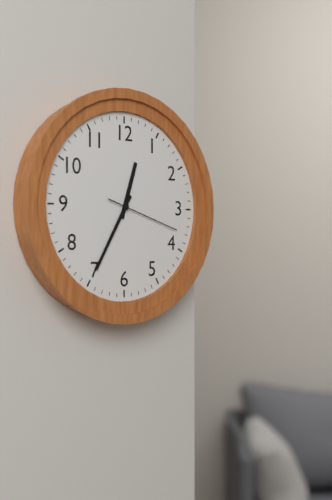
12:35:18
